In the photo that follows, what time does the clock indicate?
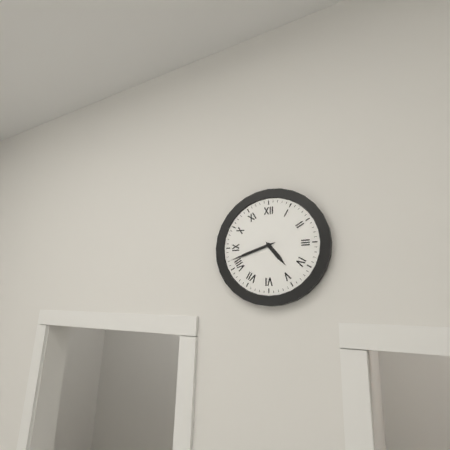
4:42
